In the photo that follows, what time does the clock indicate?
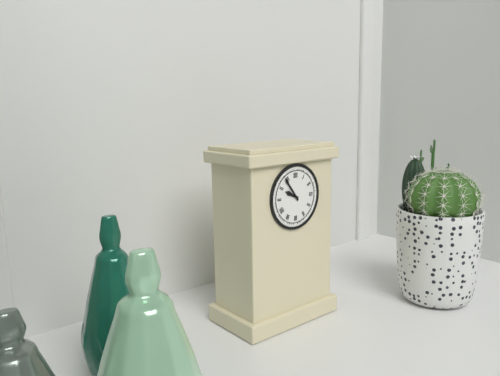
9:54
